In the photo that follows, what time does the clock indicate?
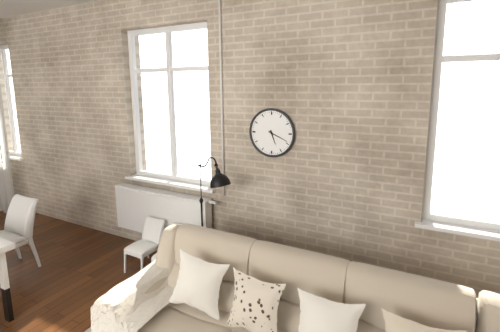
5:19
